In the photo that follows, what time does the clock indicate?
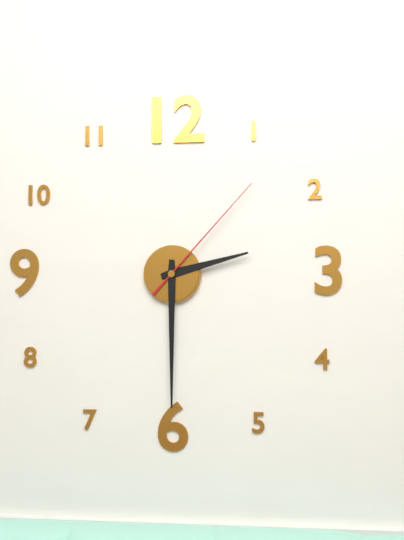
2:30:07
